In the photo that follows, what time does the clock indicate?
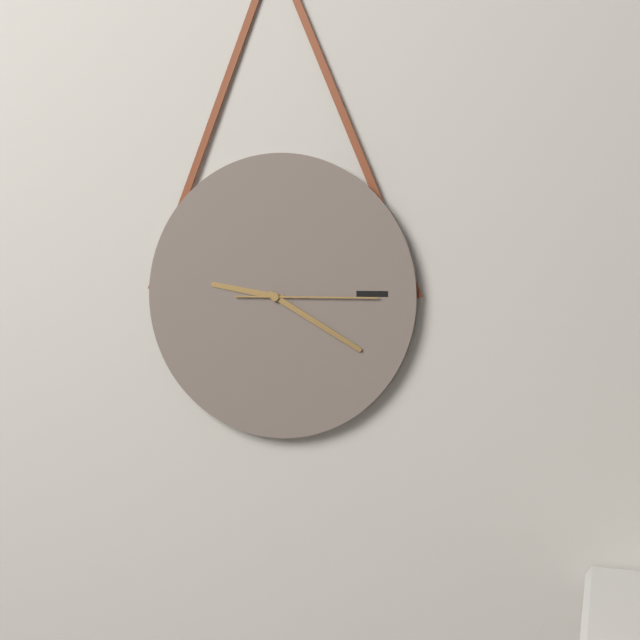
9:20:15
